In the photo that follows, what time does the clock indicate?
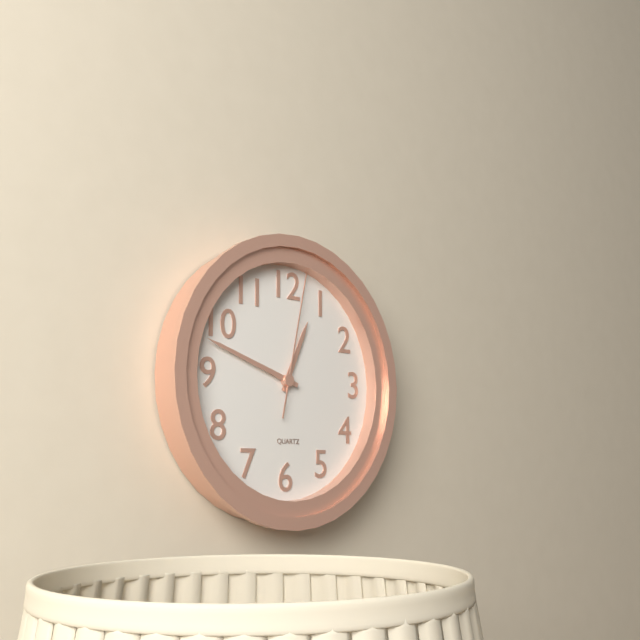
12:48:02
